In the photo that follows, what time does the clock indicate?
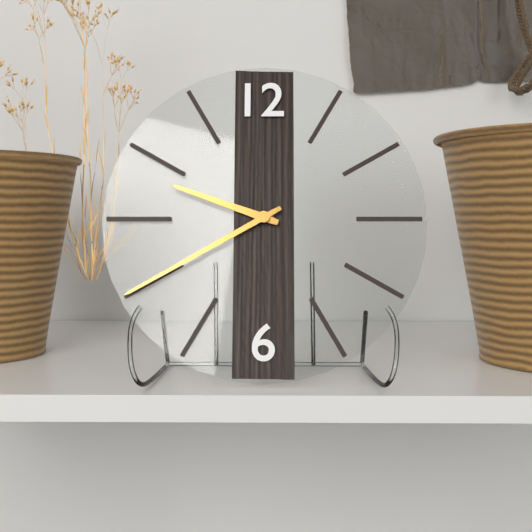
9:40
